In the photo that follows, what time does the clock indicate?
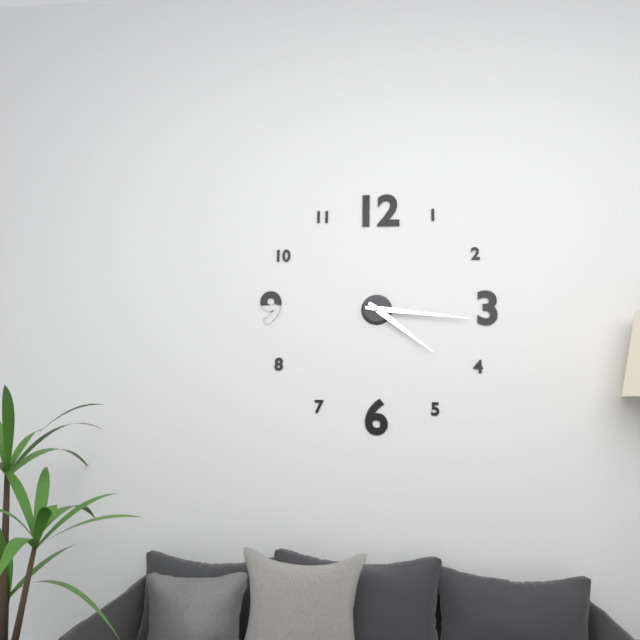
4:16
